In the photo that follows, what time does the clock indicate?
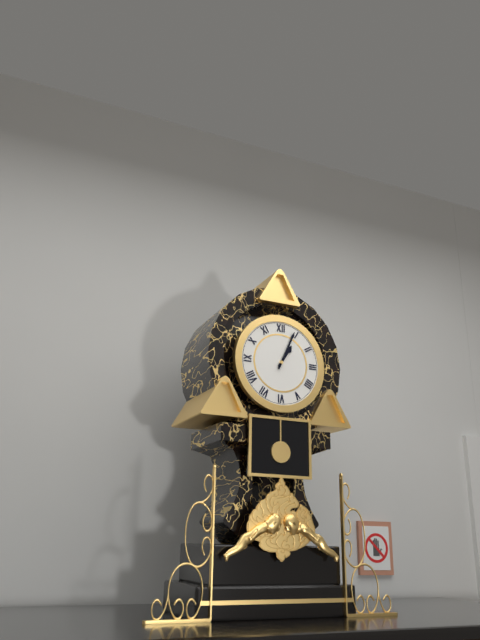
1:04
